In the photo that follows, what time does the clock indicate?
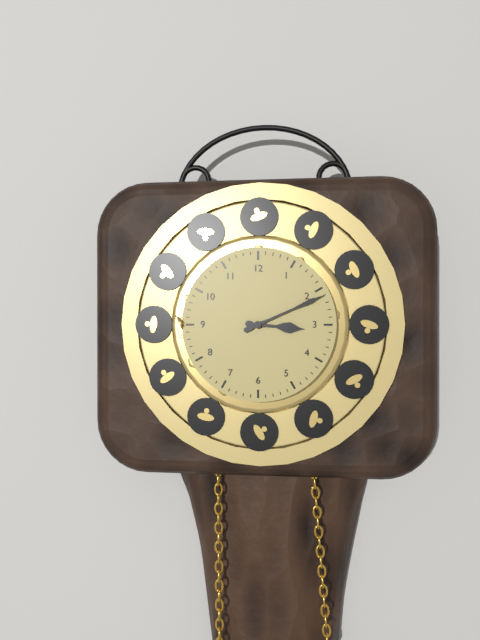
3:11
